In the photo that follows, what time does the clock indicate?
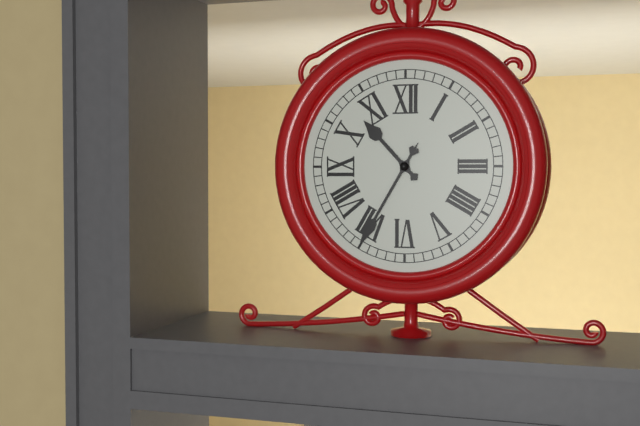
10:35
